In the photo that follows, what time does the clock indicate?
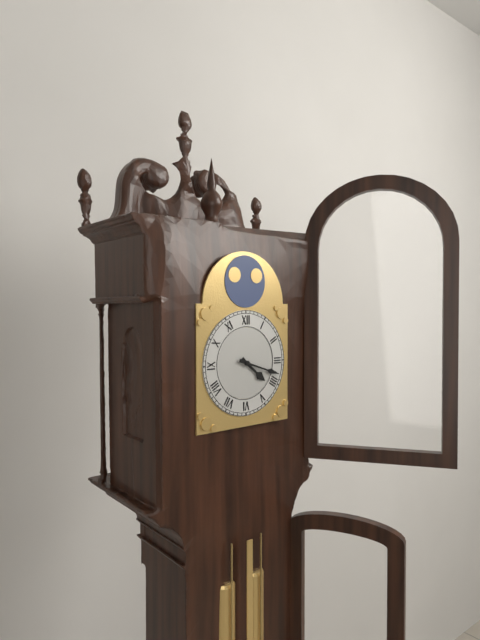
4:18
